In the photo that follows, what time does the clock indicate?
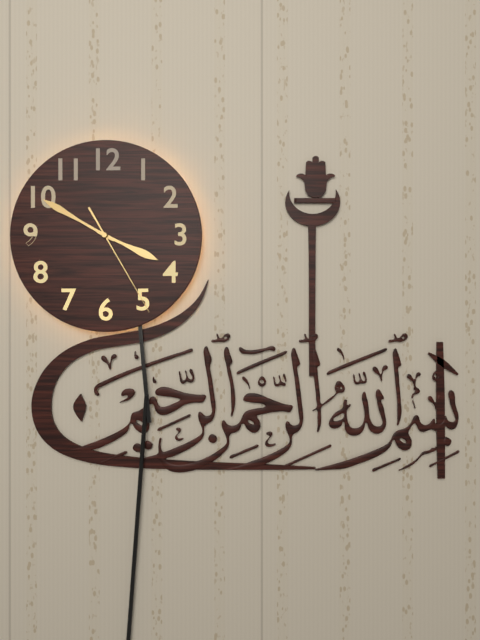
3:50:25
